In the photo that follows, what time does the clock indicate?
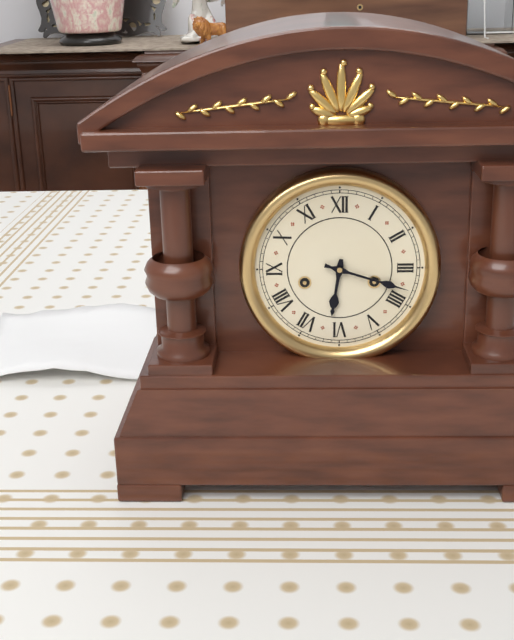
6:18
